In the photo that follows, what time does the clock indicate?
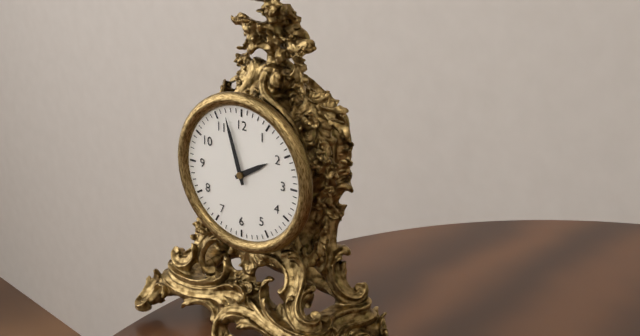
1:57
